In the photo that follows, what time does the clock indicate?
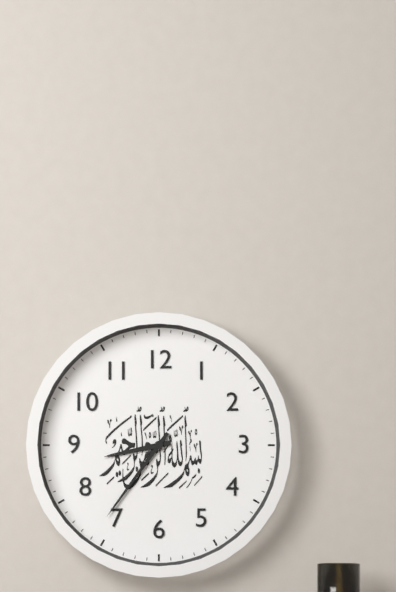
8:36
